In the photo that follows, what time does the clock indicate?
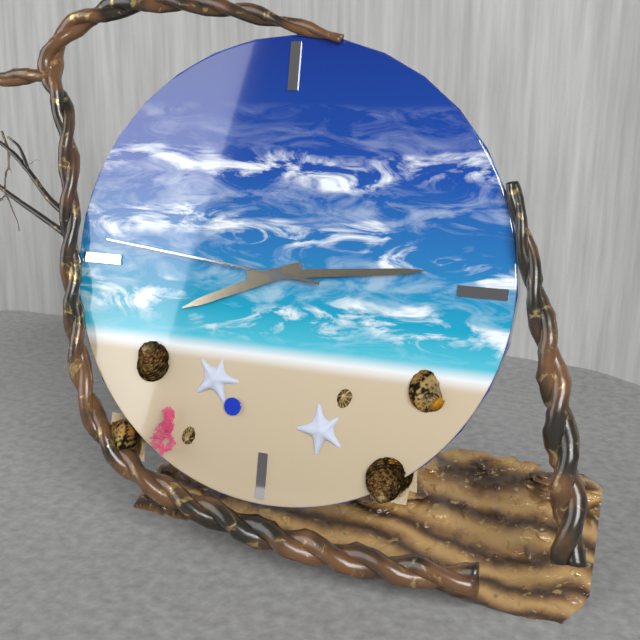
8:14:46
